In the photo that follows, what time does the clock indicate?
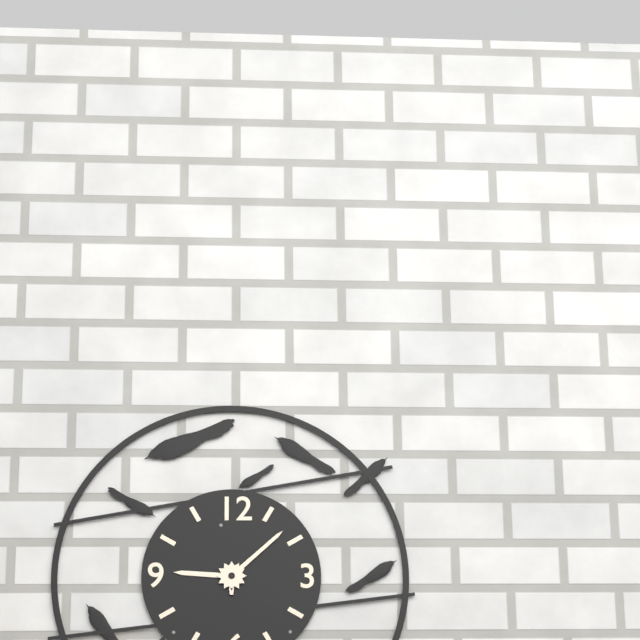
9:08
